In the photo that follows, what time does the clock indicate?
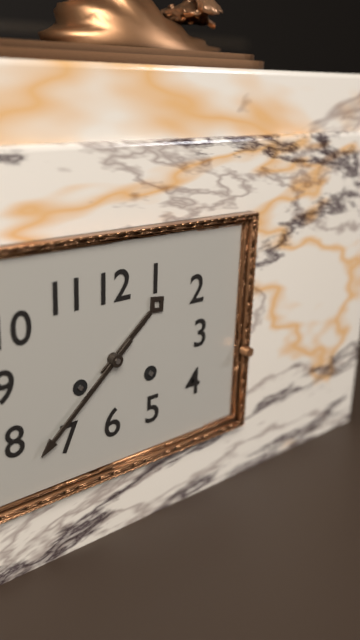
1:38
